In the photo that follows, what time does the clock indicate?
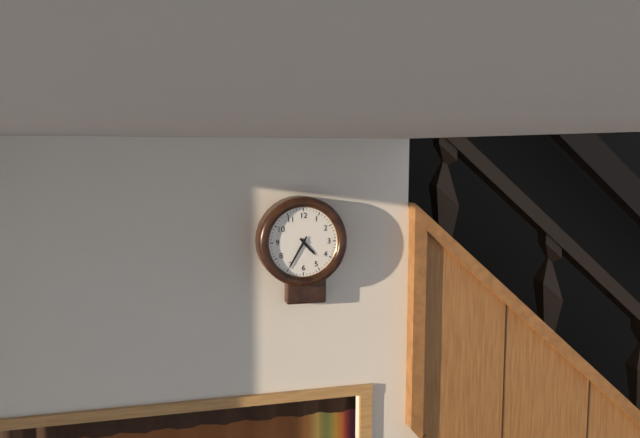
4:35
